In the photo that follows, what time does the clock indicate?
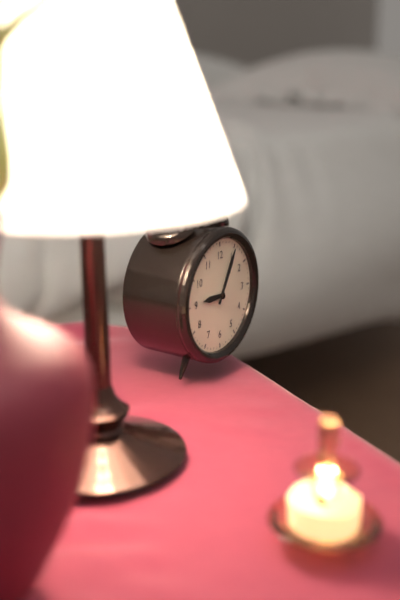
9:05
